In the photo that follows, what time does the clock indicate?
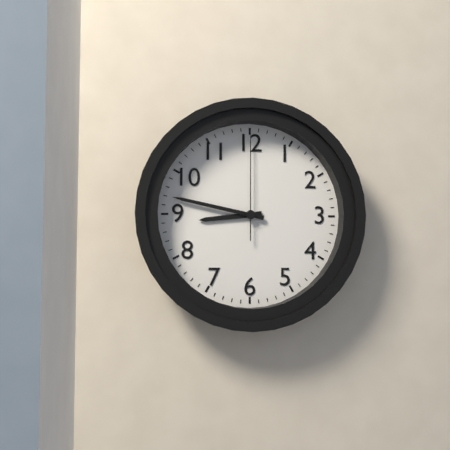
8:47:00
